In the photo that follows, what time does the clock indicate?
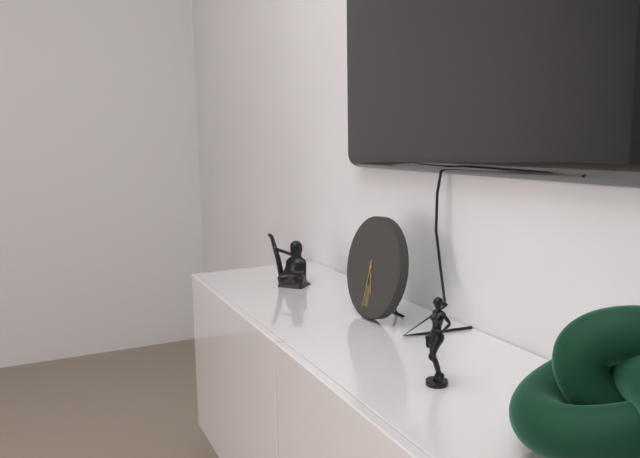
5:31
